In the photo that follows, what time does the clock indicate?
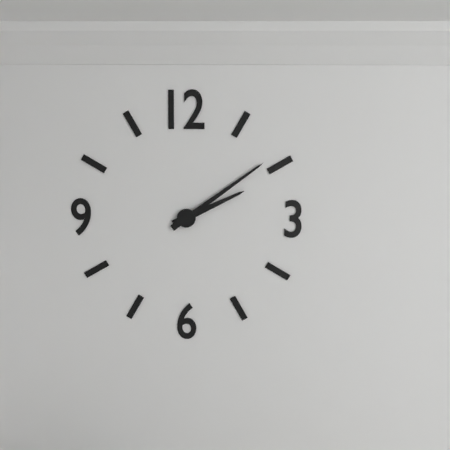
2:09
